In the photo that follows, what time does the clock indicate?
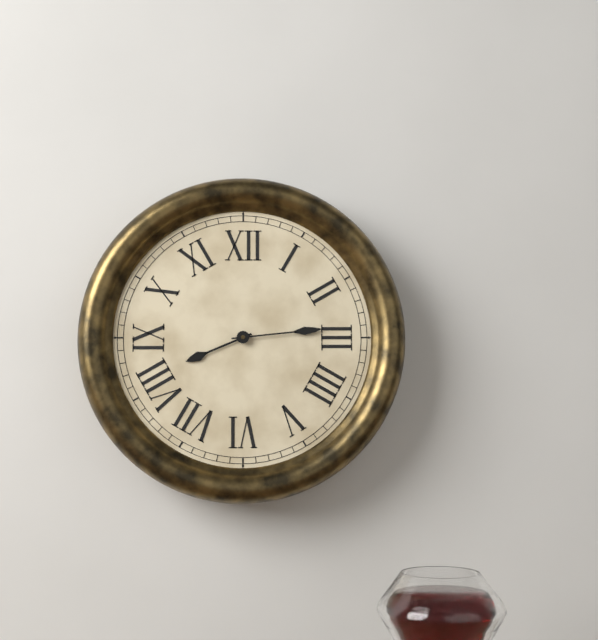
8:14
